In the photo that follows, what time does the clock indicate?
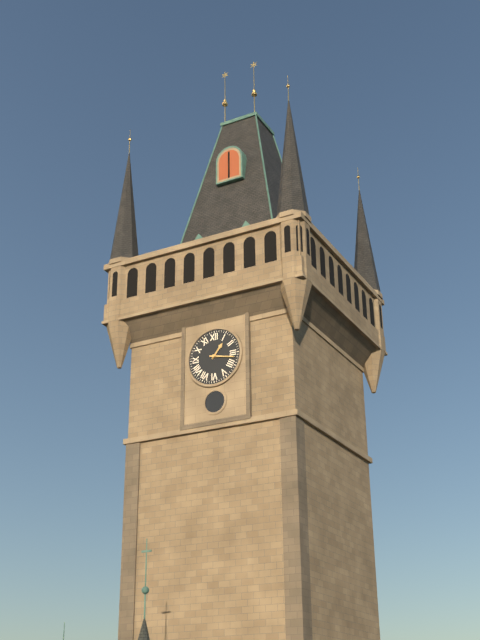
1:17
